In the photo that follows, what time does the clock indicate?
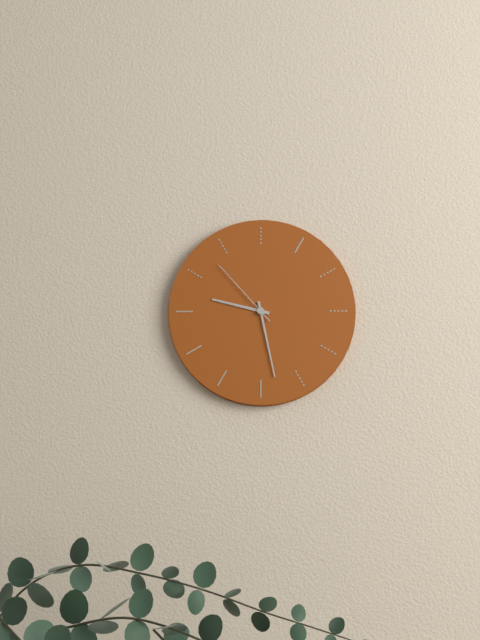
9:28:53
